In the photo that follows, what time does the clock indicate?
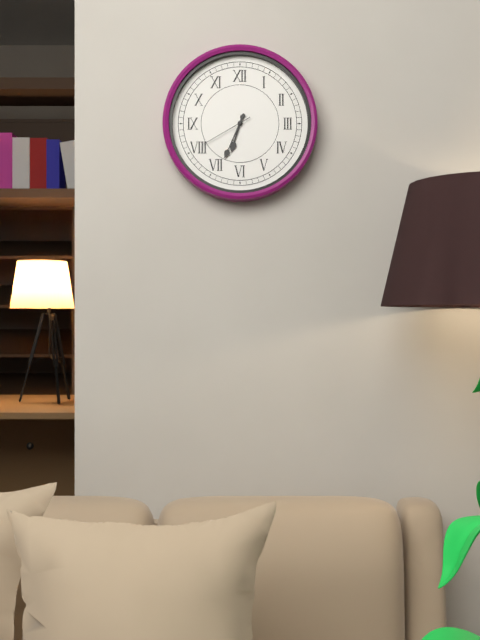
6:34:40
